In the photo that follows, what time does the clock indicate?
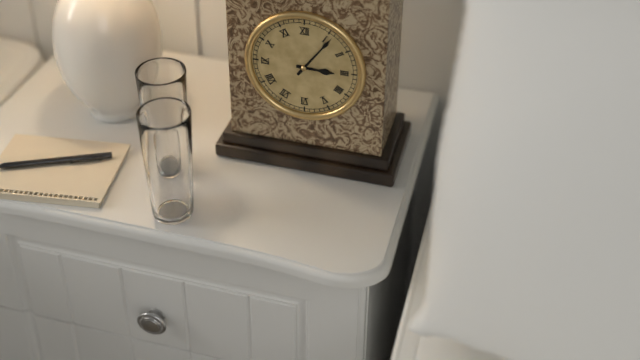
3:06
